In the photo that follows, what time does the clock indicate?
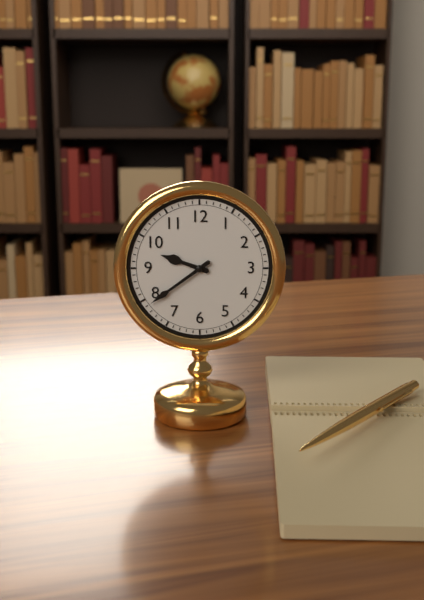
9:39
